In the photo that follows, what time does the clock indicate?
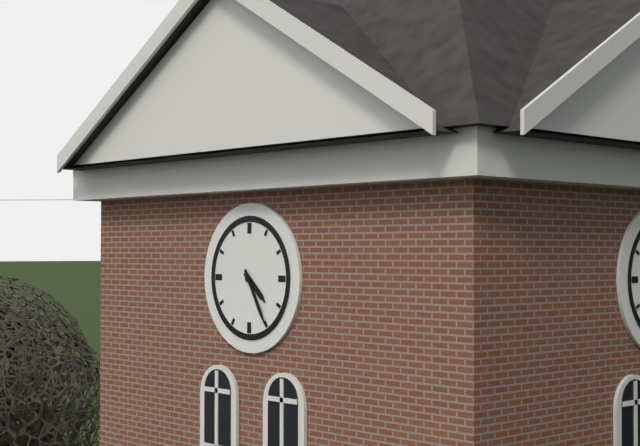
4:25
